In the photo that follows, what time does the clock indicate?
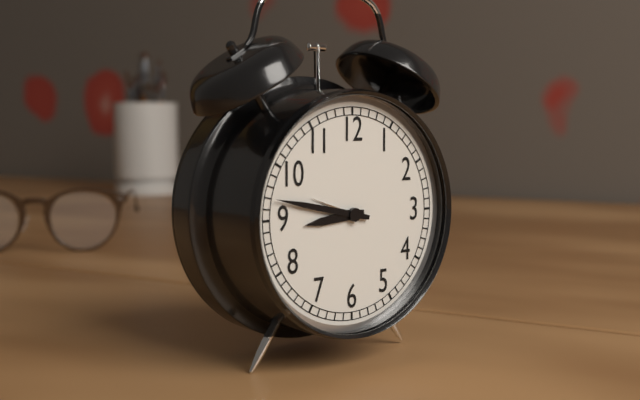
8:47
